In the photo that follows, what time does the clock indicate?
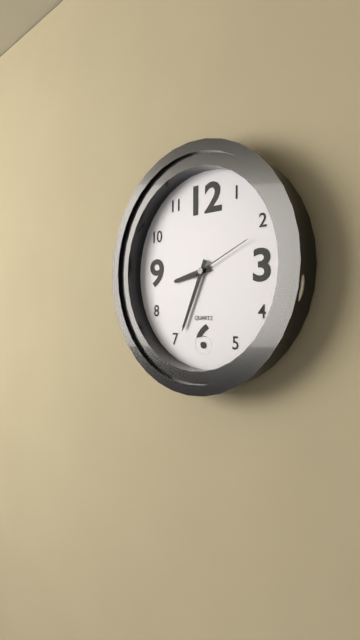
8:34:11
